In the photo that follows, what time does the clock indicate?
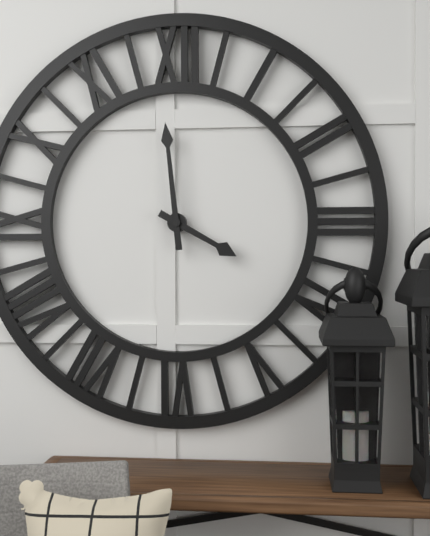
3:59
